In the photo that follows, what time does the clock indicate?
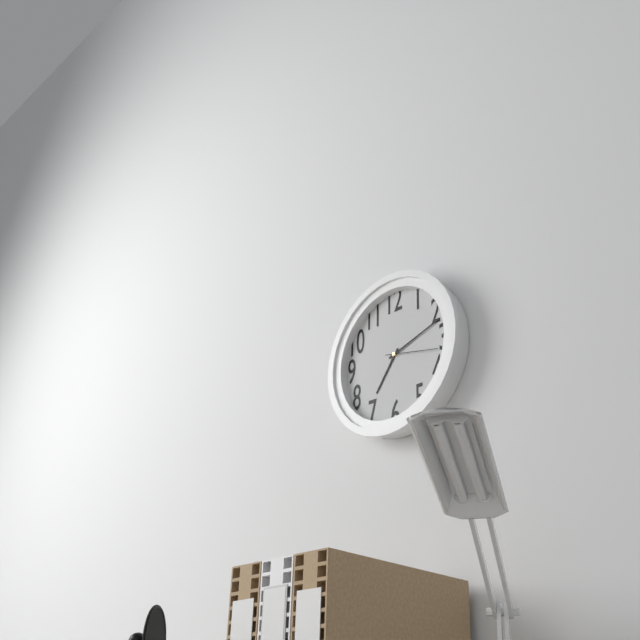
7:12:17
